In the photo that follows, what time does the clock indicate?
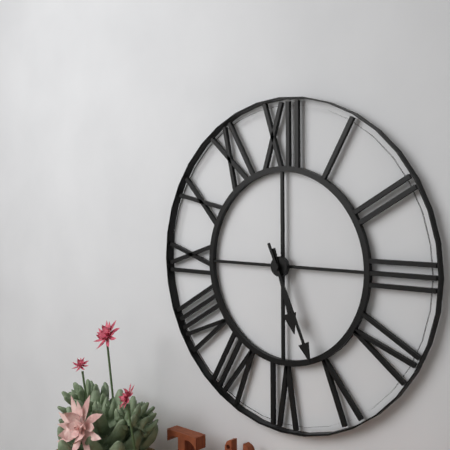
5:26
